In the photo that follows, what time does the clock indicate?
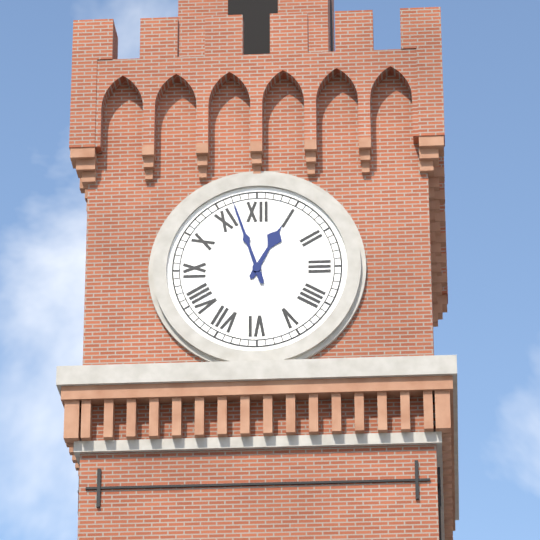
12:57
